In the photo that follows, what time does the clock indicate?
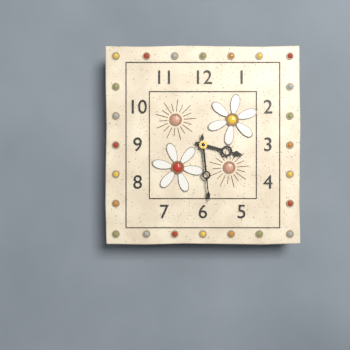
3:29
